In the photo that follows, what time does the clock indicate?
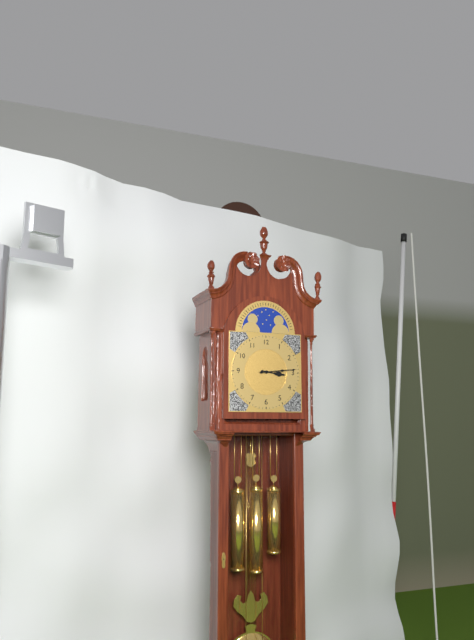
3:14
